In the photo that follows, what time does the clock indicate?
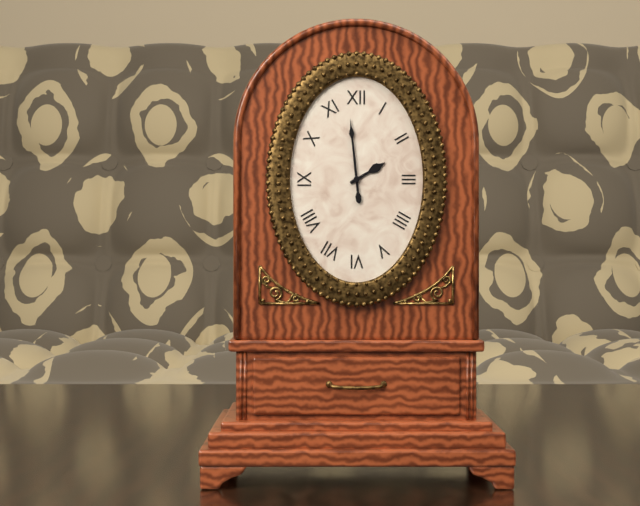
1:59
